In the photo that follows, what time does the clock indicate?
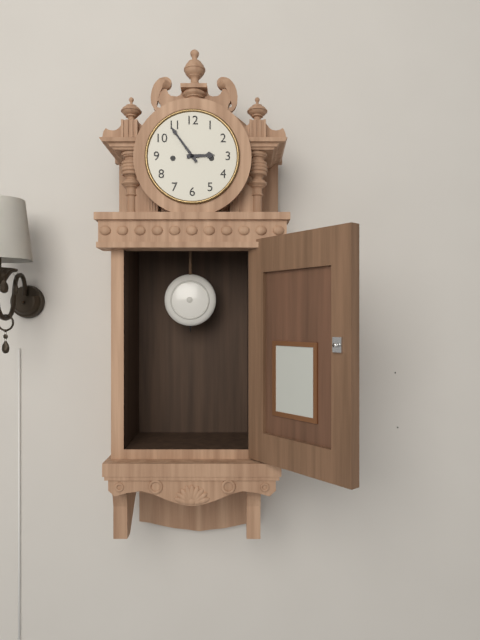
2:54
